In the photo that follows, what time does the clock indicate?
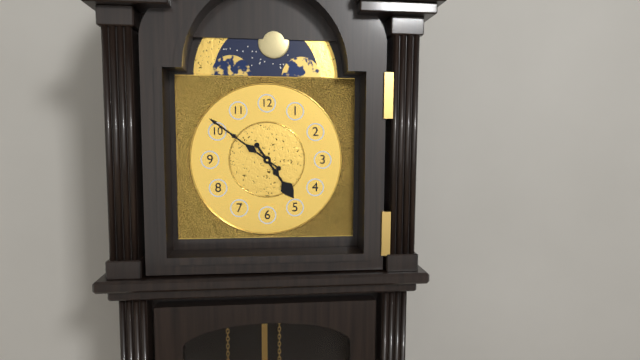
4:51
